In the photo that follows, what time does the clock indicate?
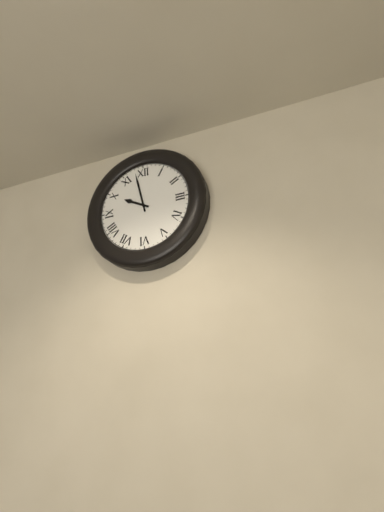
9:58
